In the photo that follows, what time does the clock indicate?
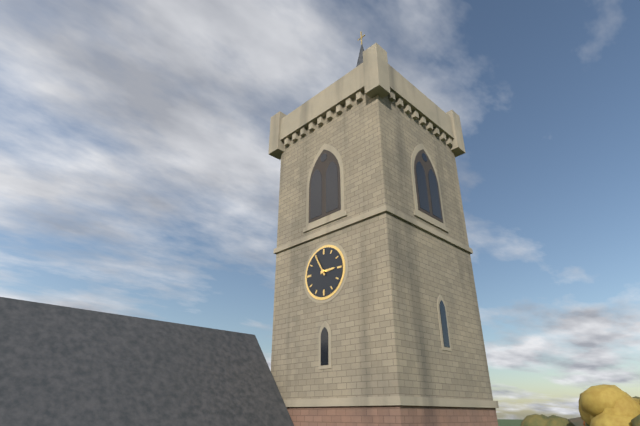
2:55
